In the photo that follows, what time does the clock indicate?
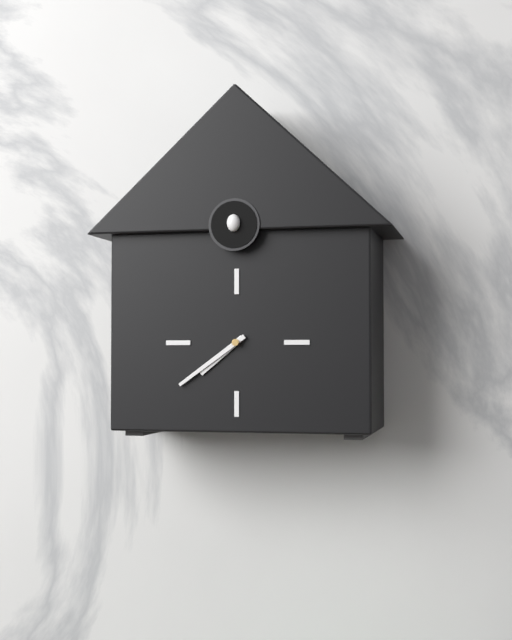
7:39
